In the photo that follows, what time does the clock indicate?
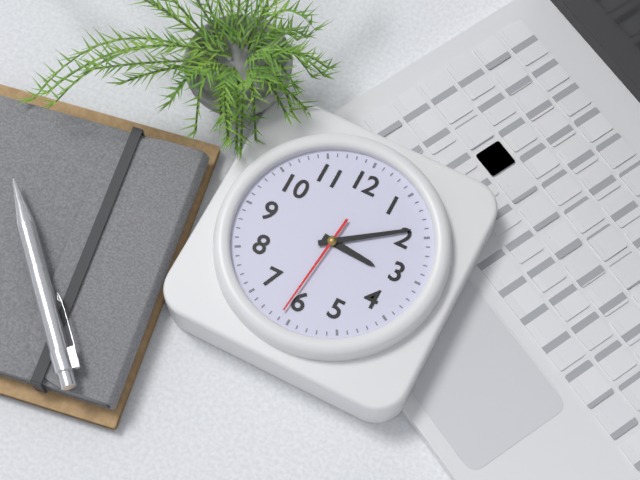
3:09:31
